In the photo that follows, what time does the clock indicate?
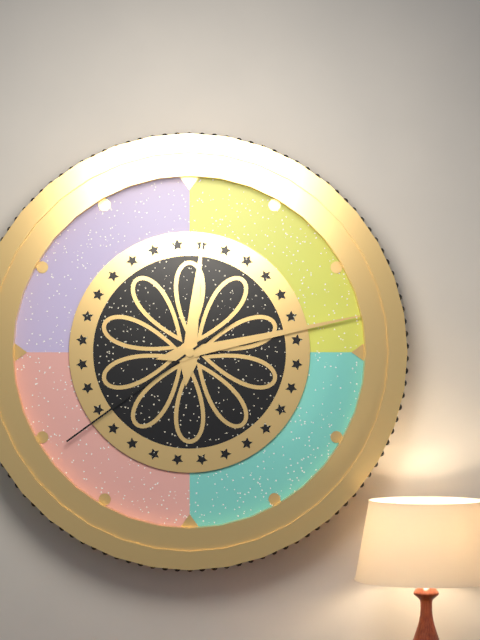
12:13:39
